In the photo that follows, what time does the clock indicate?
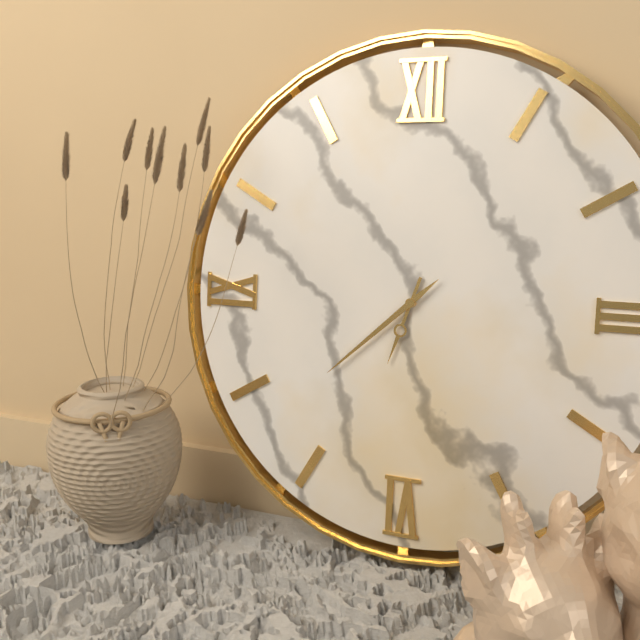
6:38
